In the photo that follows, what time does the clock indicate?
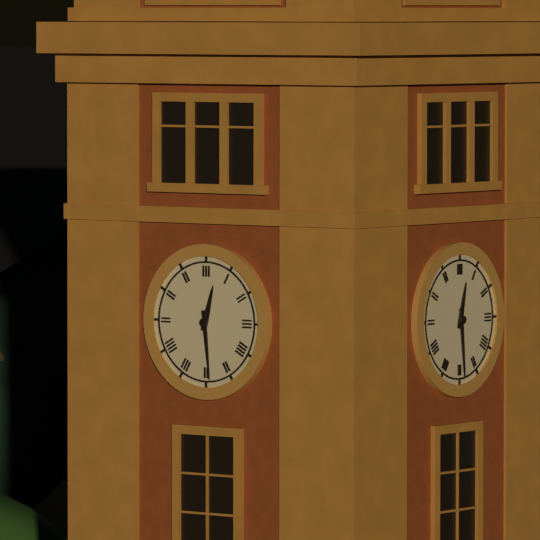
12:29
